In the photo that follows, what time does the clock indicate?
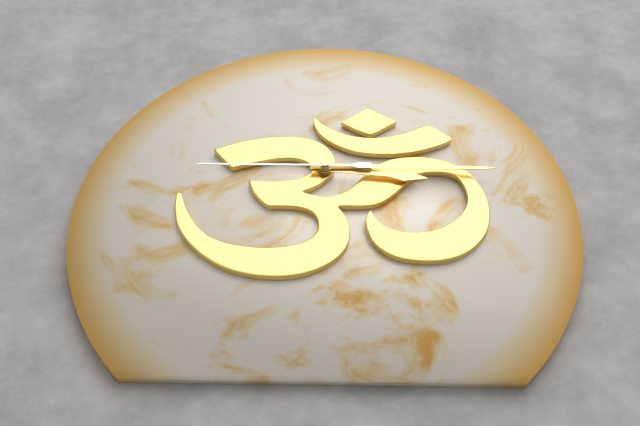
3:15:45
